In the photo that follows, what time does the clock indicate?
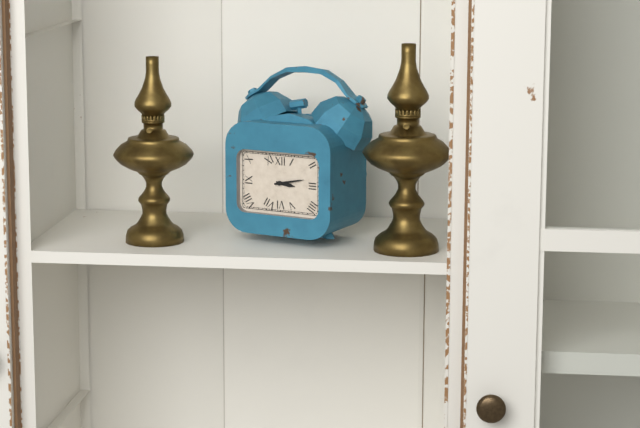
3:13
